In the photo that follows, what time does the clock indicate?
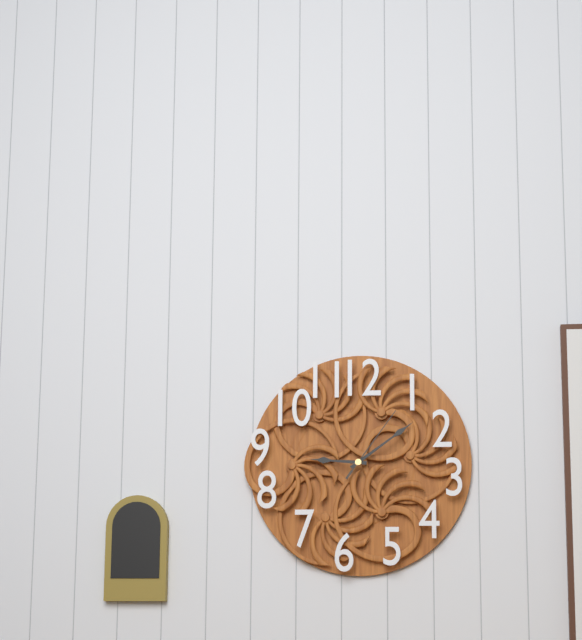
9:09:06
